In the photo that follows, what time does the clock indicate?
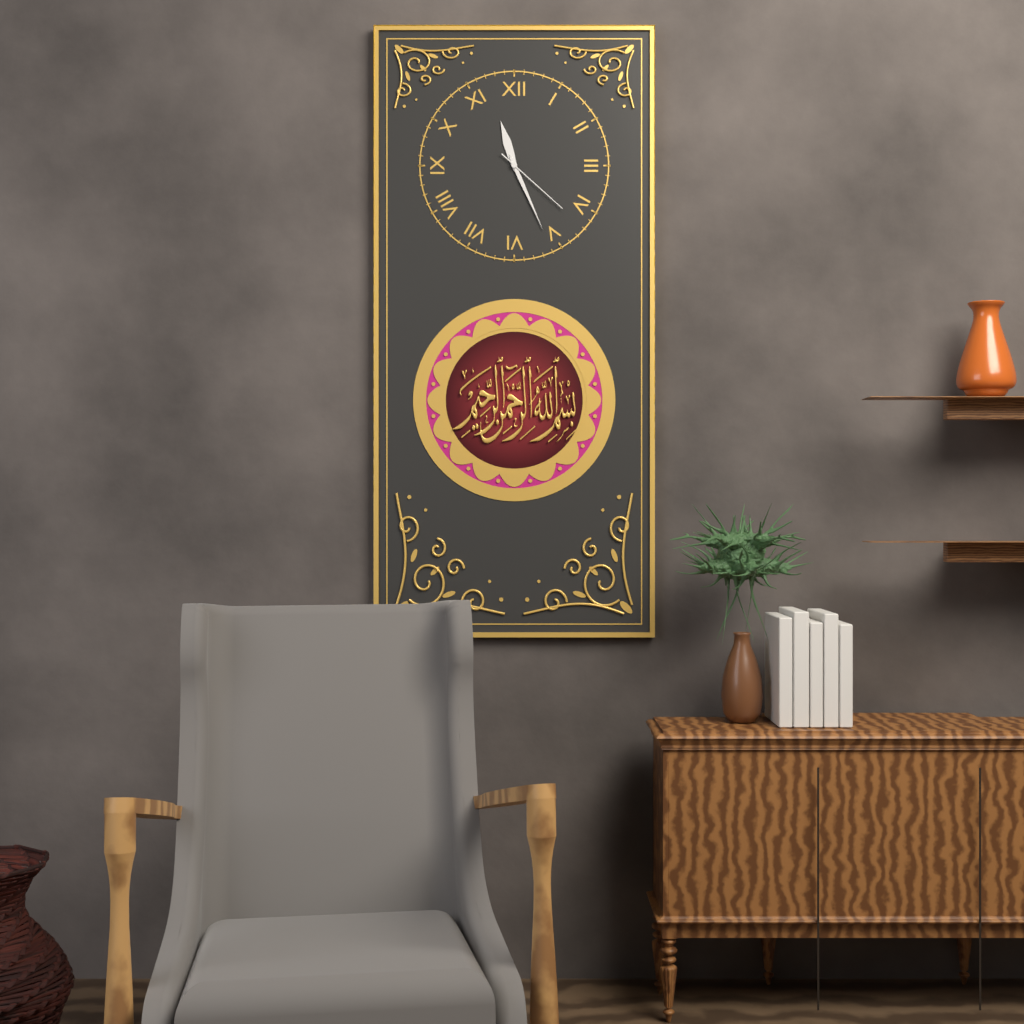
11:26:22
